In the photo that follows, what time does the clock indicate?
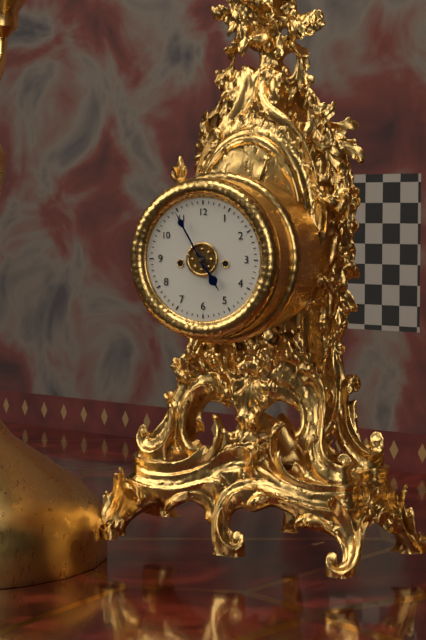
4:55
